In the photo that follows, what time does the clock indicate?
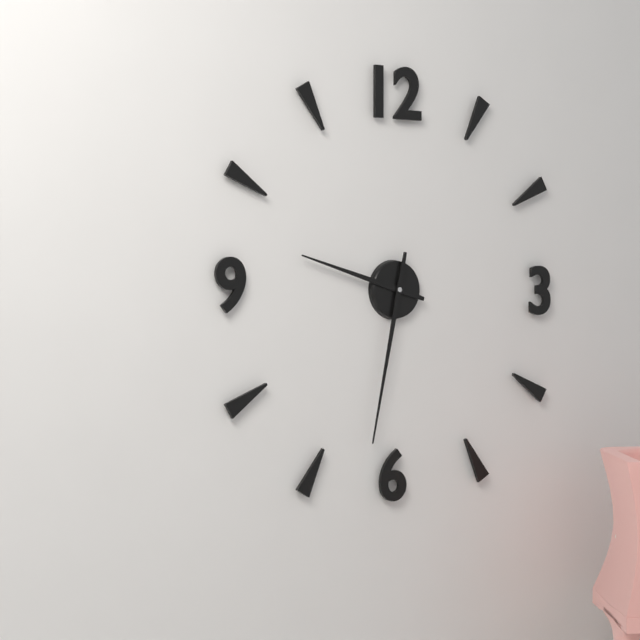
9:32
